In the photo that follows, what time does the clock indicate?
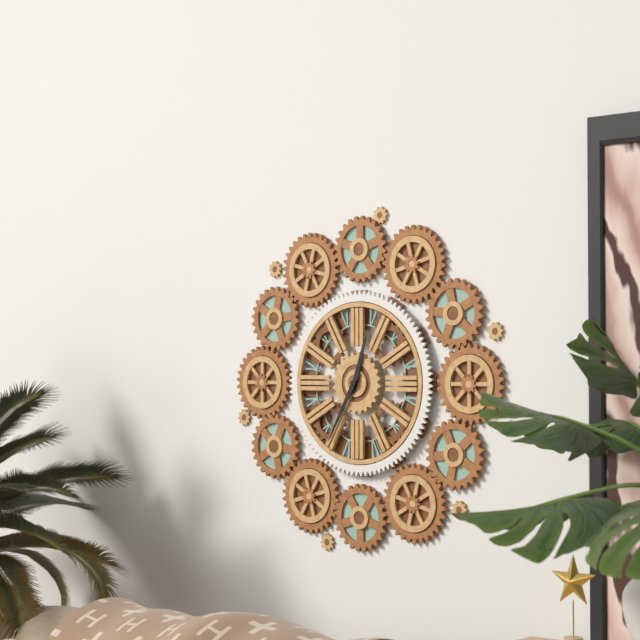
12:35
